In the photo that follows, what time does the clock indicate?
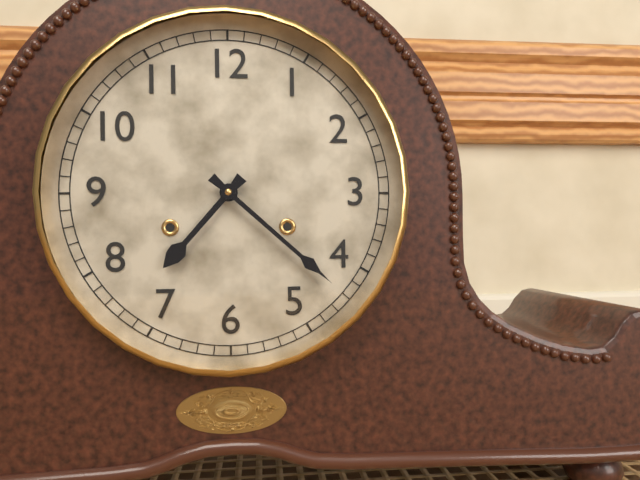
7:22
